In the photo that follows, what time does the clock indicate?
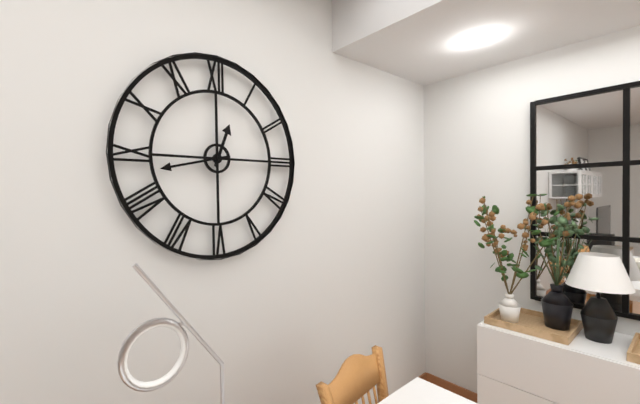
12:43
